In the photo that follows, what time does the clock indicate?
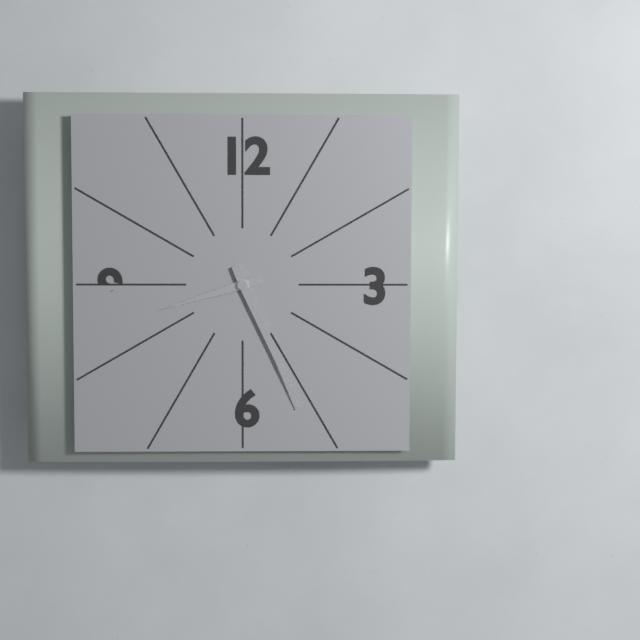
8:26
